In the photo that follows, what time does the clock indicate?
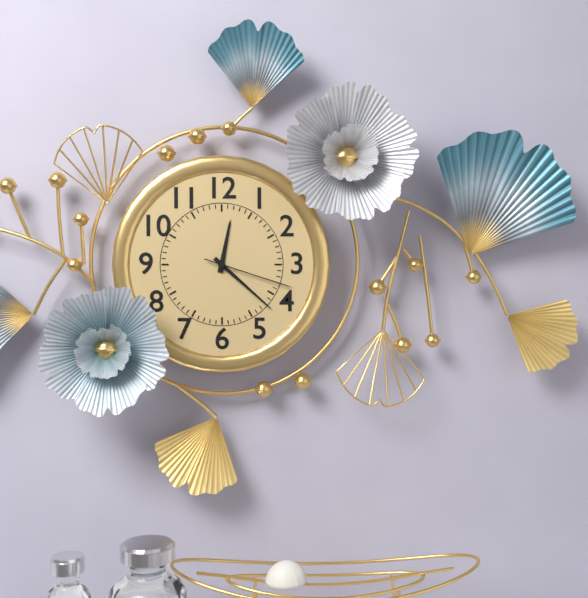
12:22:18
